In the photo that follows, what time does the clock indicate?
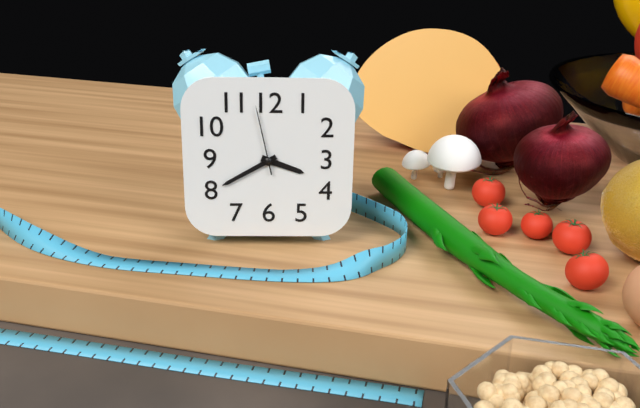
3:40:58
